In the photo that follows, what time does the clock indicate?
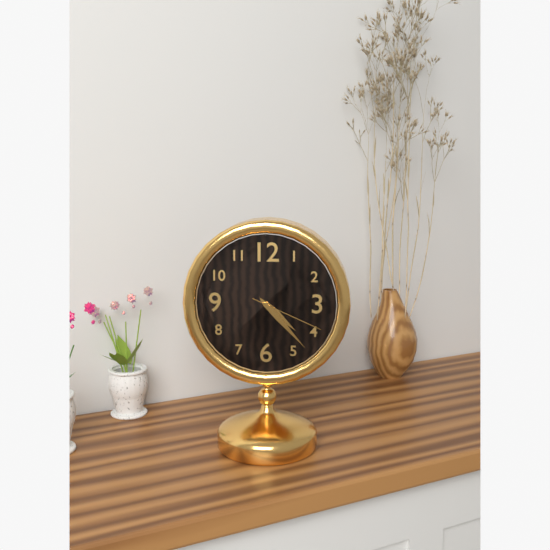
4:23:19
